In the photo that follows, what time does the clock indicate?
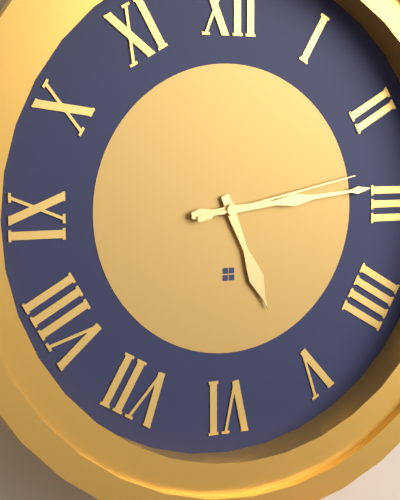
5:14:13
